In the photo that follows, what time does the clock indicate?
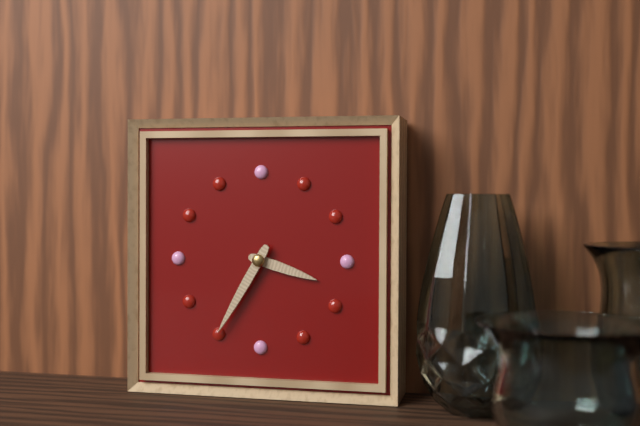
3:35
